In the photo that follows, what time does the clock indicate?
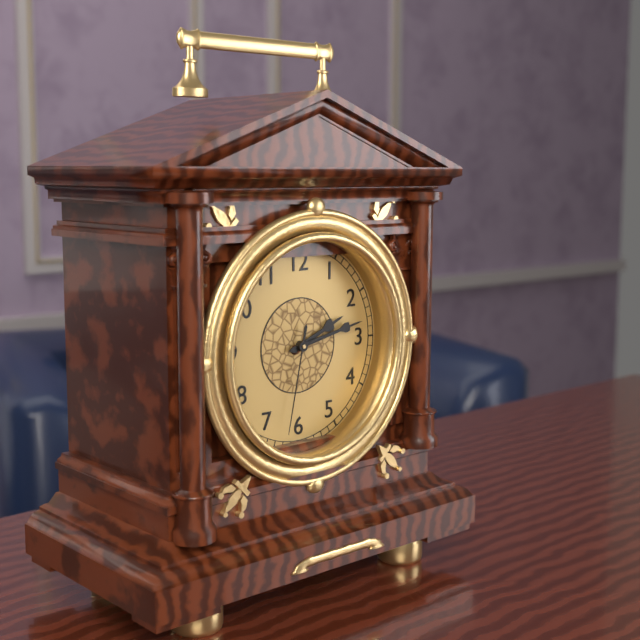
2:13:32
